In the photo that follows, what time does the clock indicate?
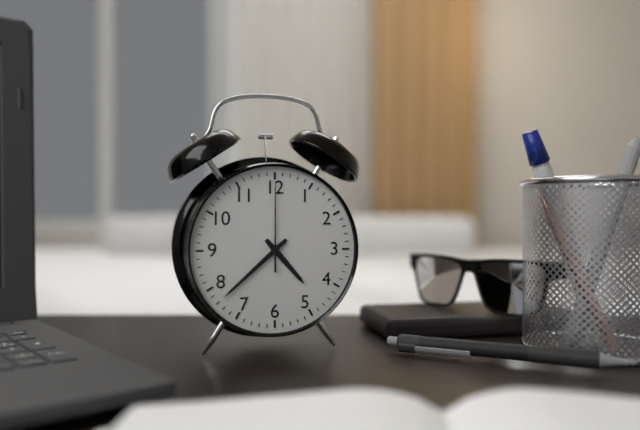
4:38:00
